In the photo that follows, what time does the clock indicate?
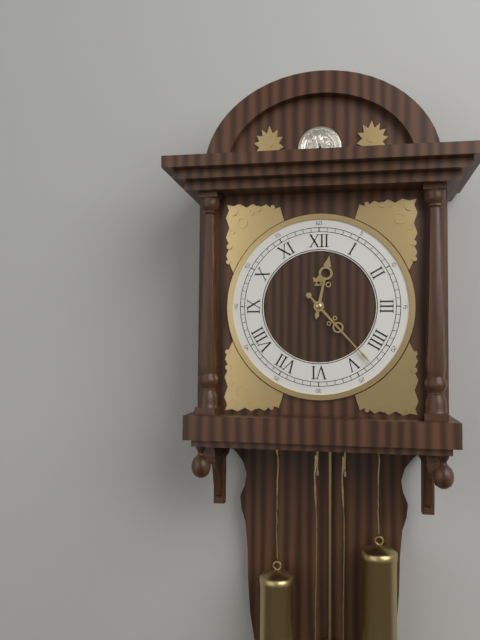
12:23
